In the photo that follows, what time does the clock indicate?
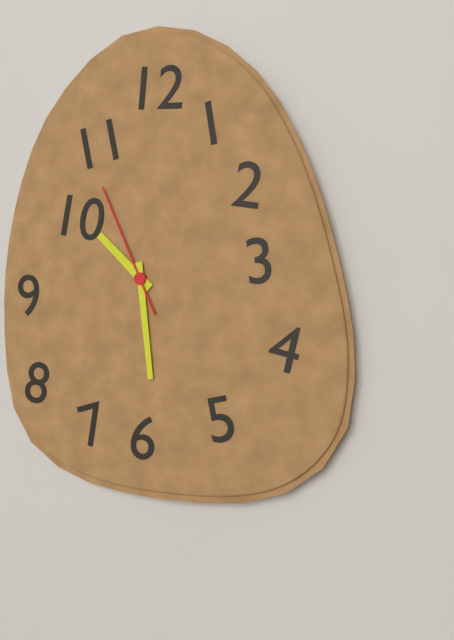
10:29:56
